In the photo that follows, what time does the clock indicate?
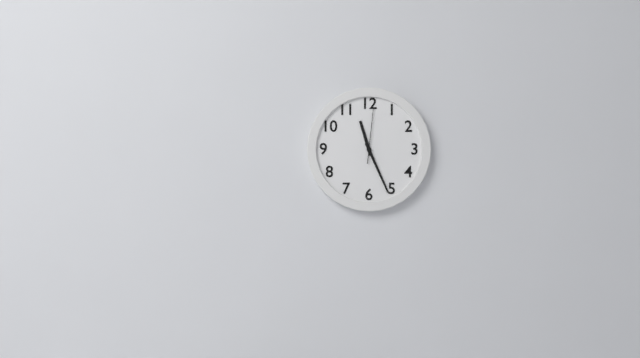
11:26:01
